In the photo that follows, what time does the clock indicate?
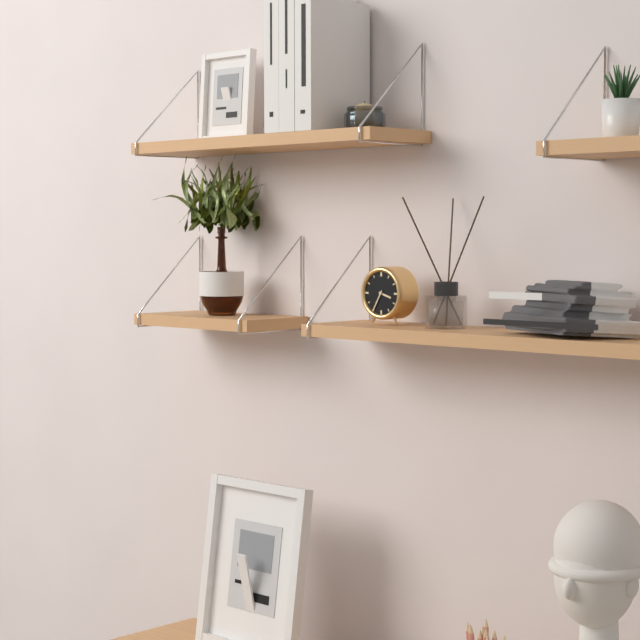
3:35
